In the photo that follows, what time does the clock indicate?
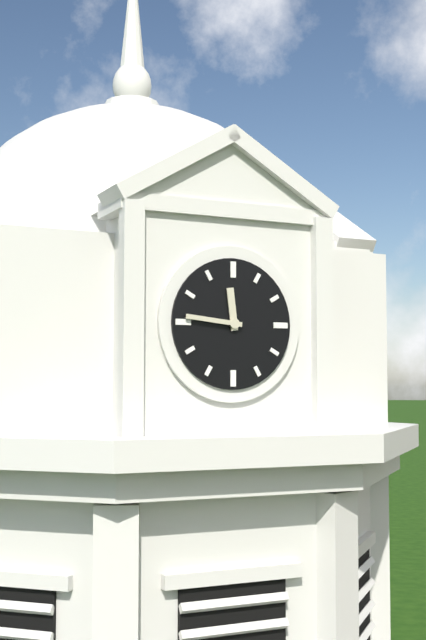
11:46
